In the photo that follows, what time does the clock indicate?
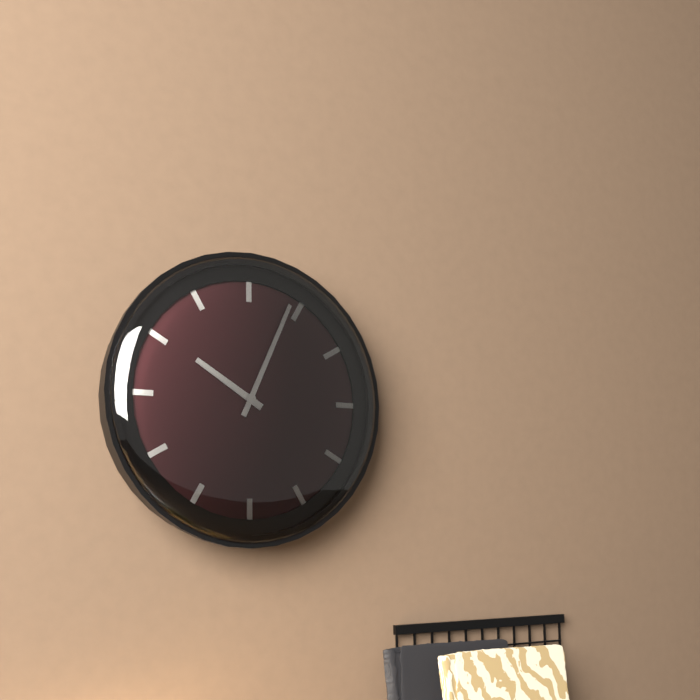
10:04
